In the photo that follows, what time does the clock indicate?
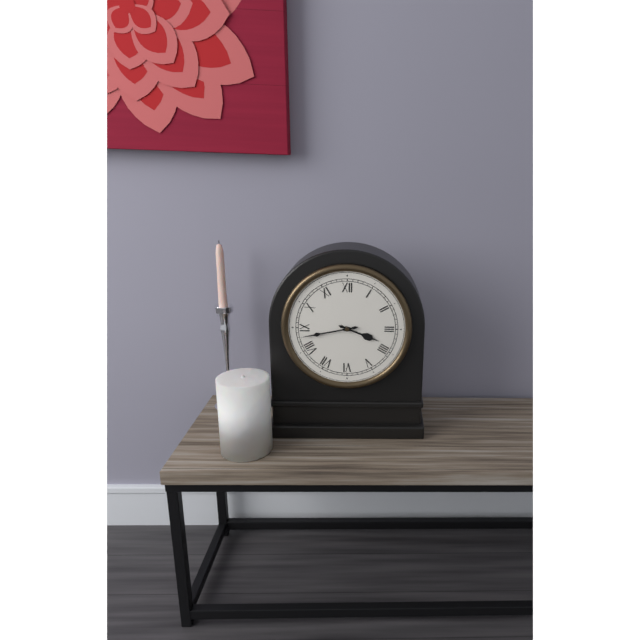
3:43
